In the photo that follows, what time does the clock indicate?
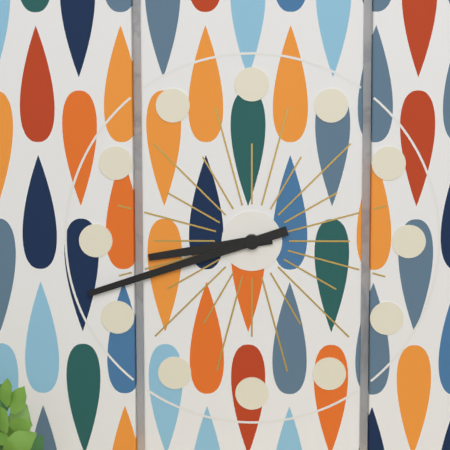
8:42
